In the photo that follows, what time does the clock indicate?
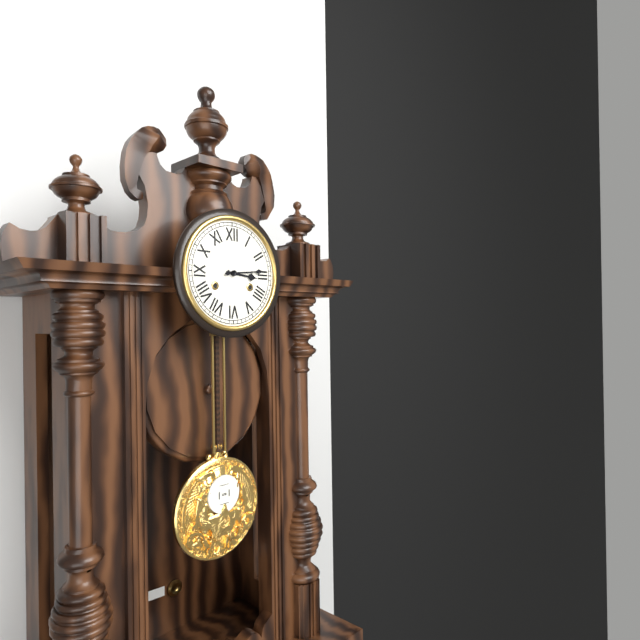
3:14
